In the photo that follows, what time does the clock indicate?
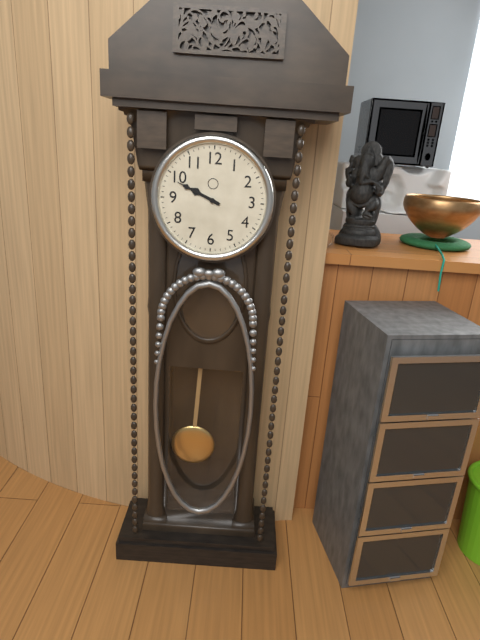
9:49
